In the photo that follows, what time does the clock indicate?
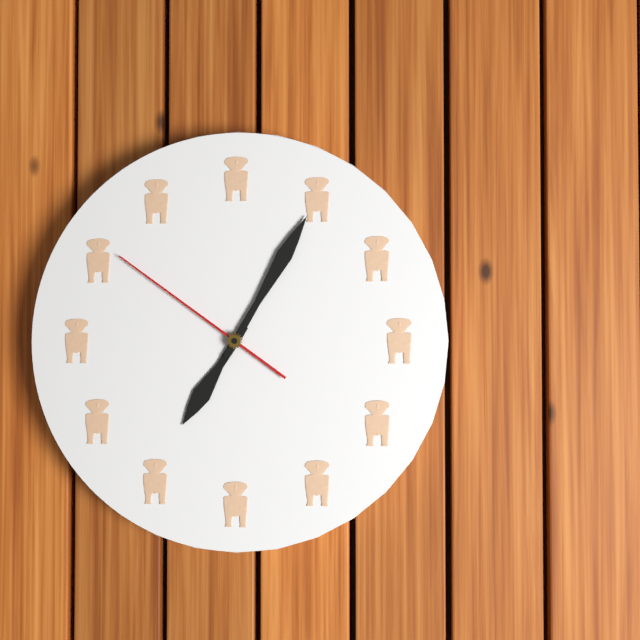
7:05:51
